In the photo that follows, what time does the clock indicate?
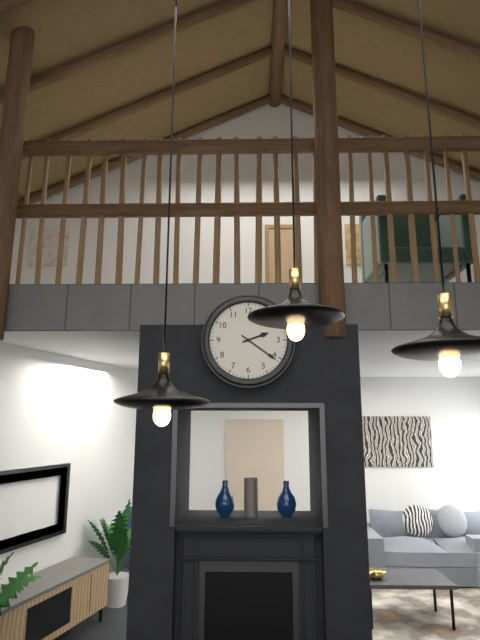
2:21
